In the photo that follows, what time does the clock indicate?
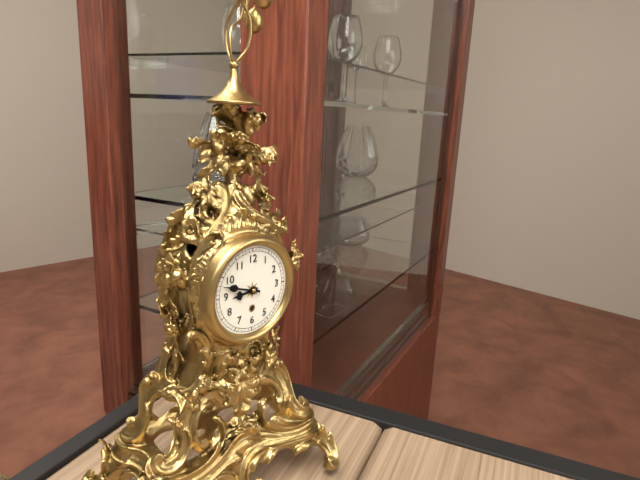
8:48
